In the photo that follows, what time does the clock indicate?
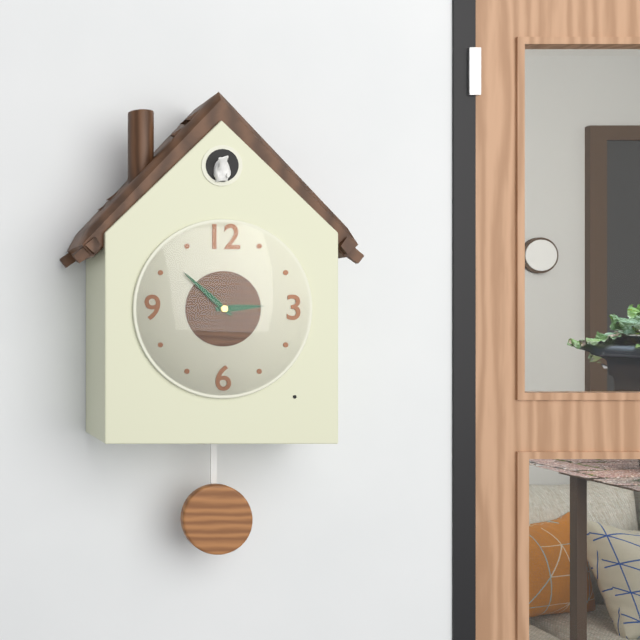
2:52
